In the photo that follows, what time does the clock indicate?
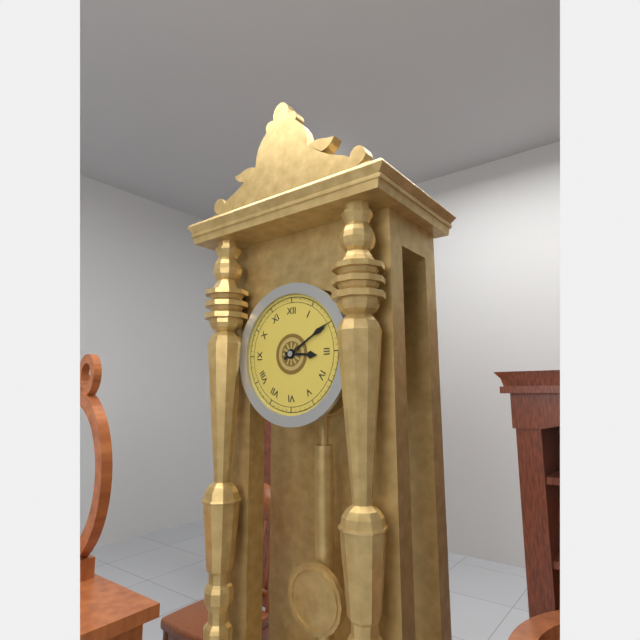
3:10
